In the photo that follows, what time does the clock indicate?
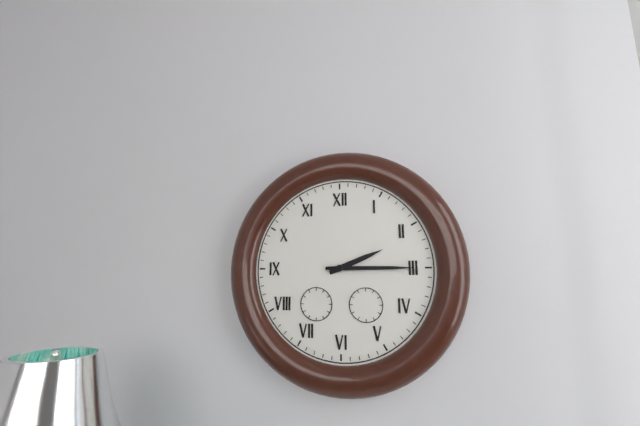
2:15
